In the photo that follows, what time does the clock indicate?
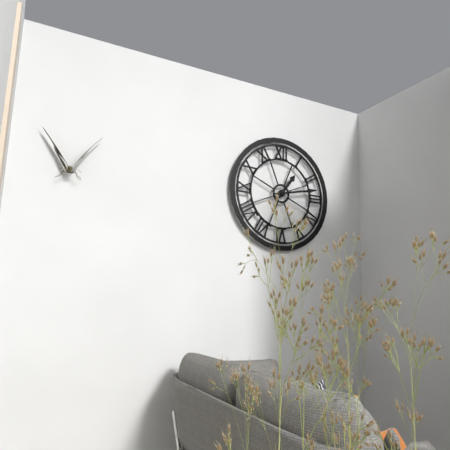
1:13
